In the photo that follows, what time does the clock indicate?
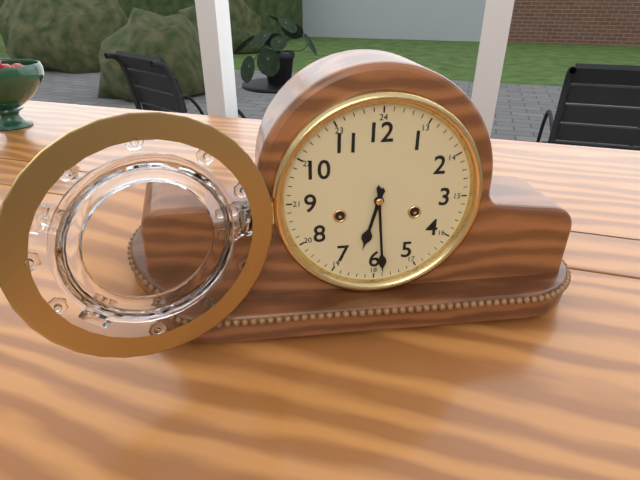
6:29
